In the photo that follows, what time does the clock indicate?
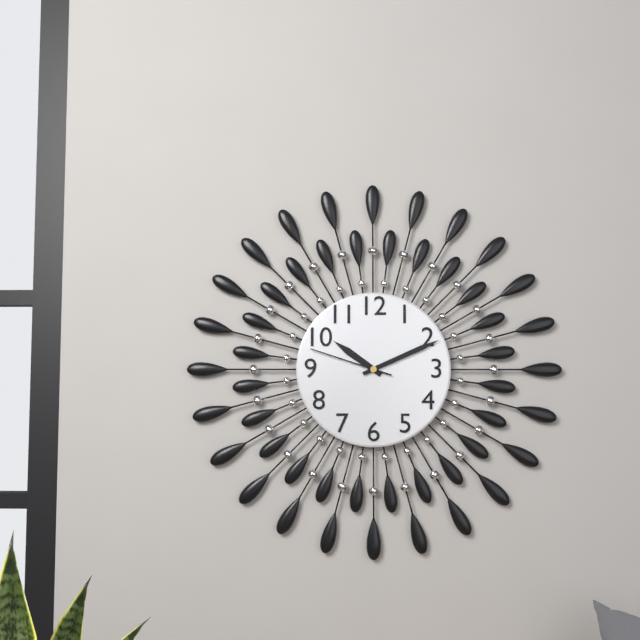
10:11:48
